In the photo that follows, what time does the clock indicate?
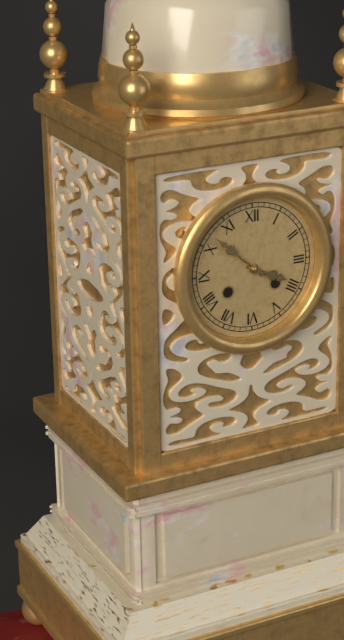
3:52
